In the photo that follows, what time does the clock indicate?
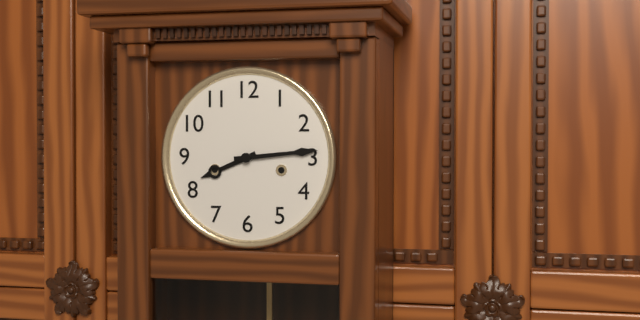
8:14
